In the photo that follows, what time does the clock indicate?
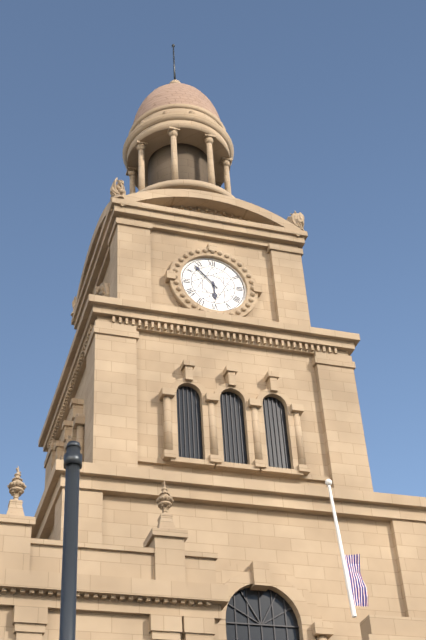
5:53
